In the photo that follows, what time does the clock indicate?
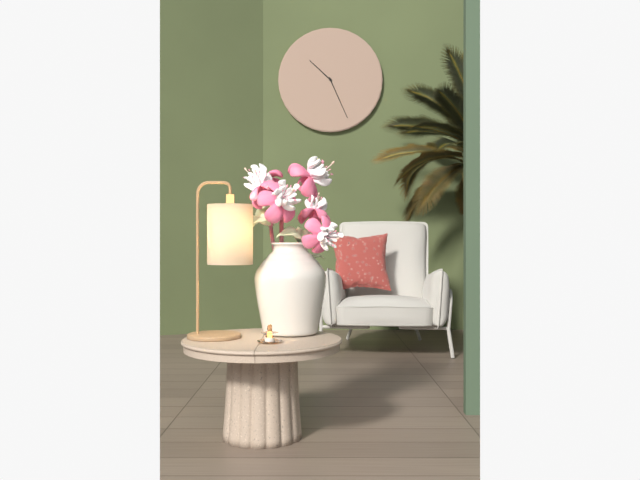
10:26
